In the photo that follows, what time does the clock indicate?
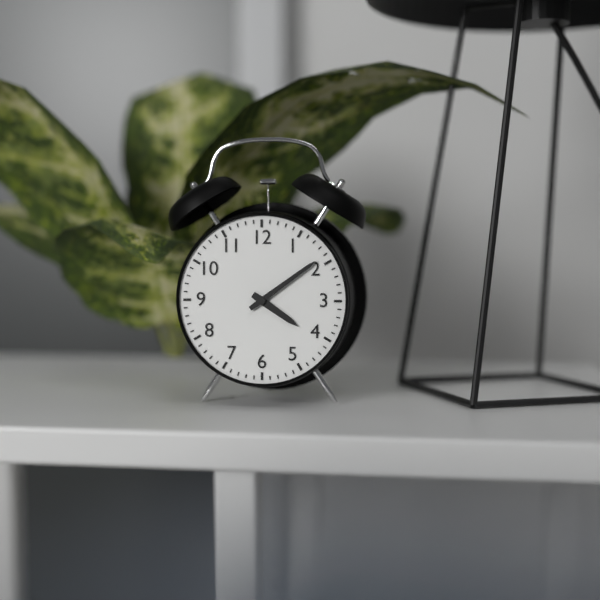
4:09
